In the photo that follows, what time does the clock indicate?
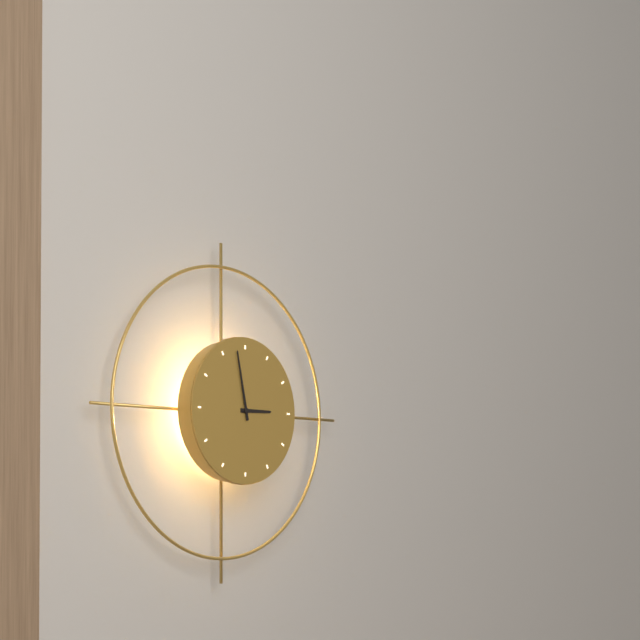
2:58
